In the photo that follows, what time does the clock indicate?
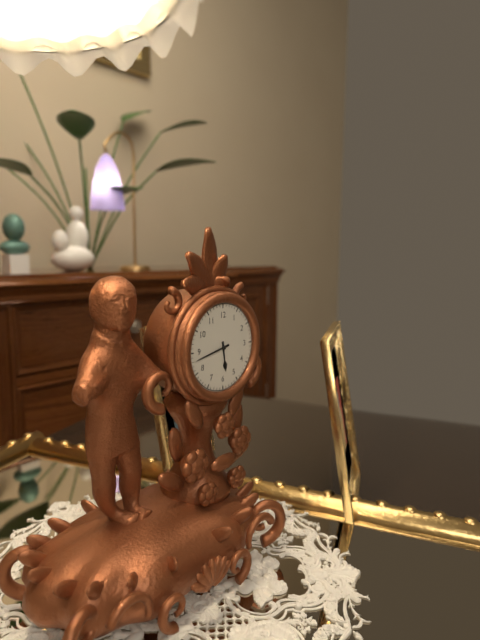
5:43
